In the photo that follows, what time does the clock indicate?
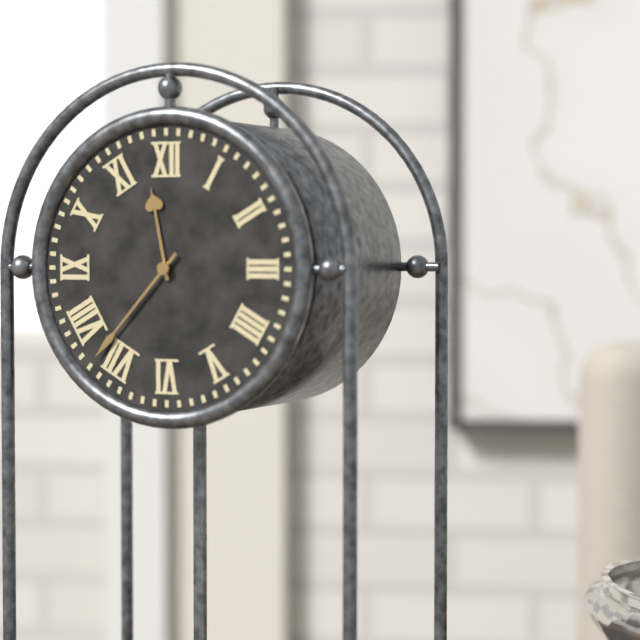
11:37
